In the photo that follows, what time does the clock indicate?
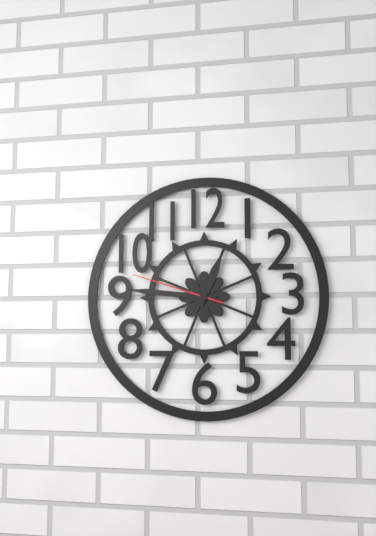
12:46:48
